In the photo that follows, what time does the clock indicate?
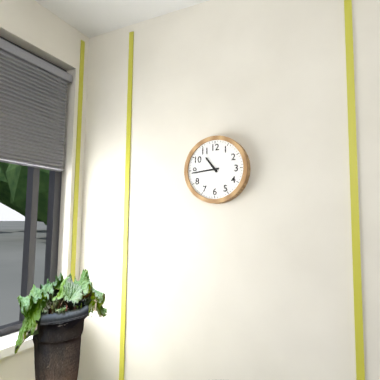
10:44
